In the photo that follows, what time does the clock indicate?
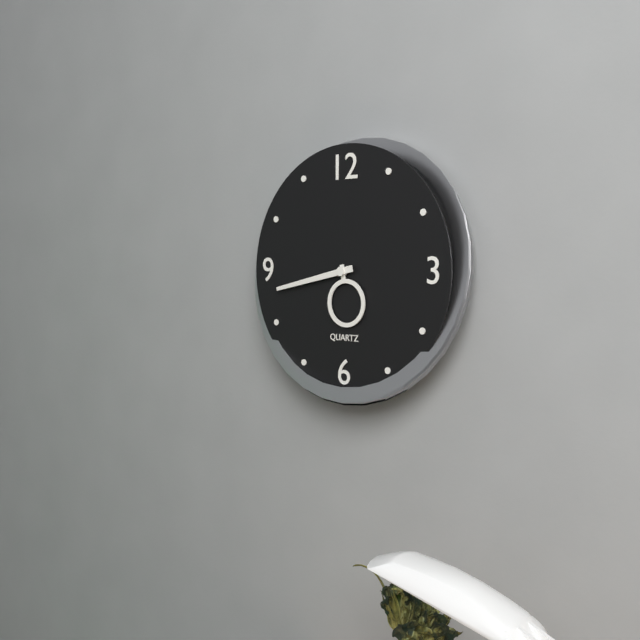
5:43
